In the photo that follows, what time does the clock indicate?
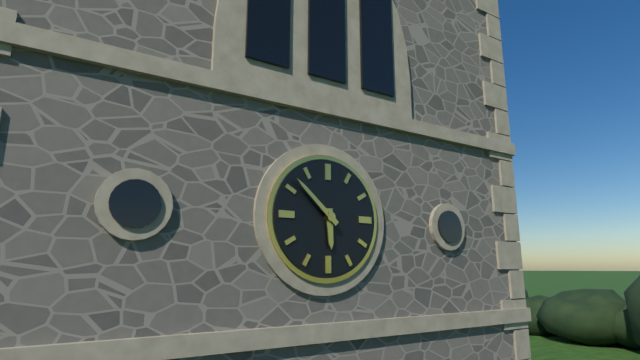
5:52
